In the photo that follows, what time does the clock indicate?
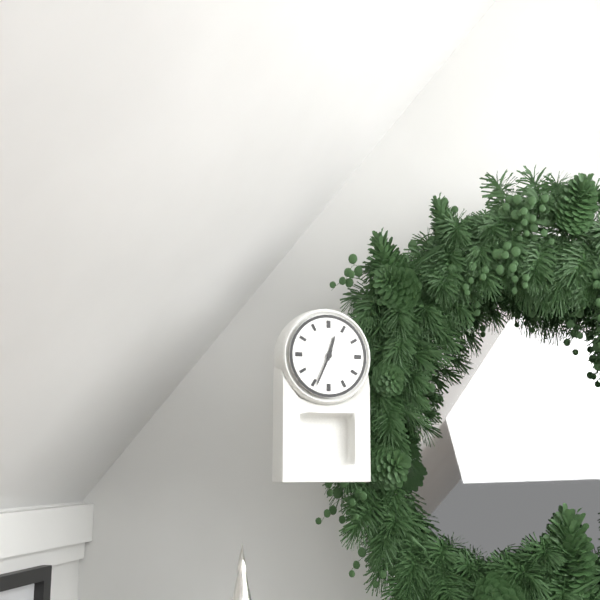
12:34
